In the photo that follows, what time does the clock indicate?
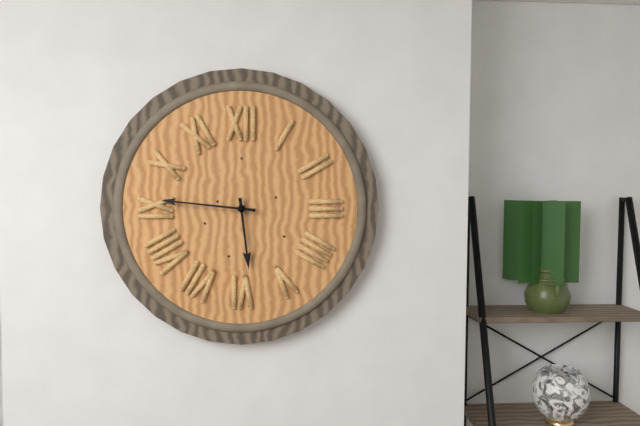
5:46
